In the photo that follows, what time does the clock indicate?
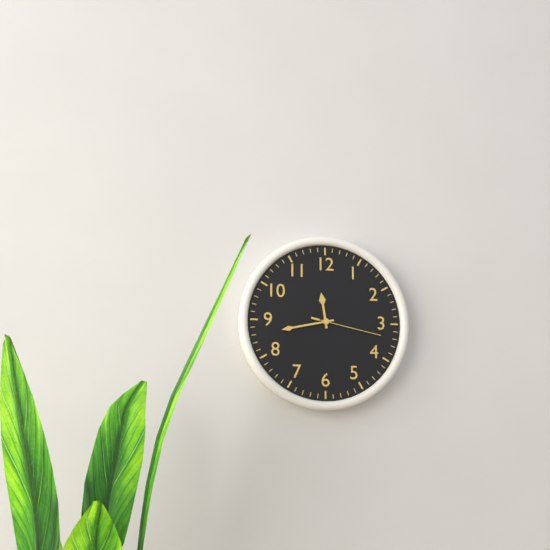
11:43:17
